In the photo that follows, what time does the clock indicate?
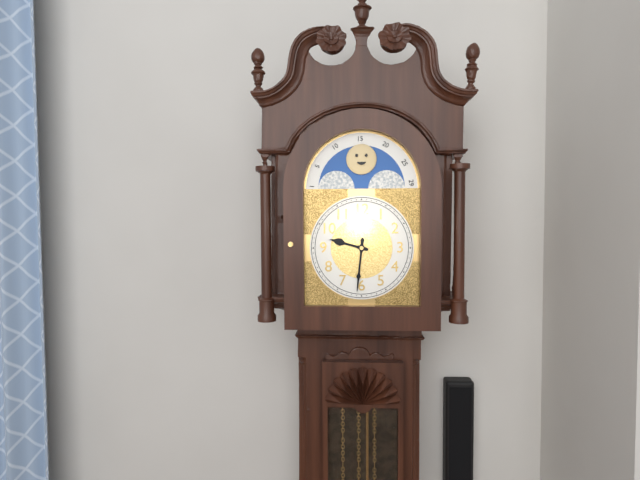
9:31
